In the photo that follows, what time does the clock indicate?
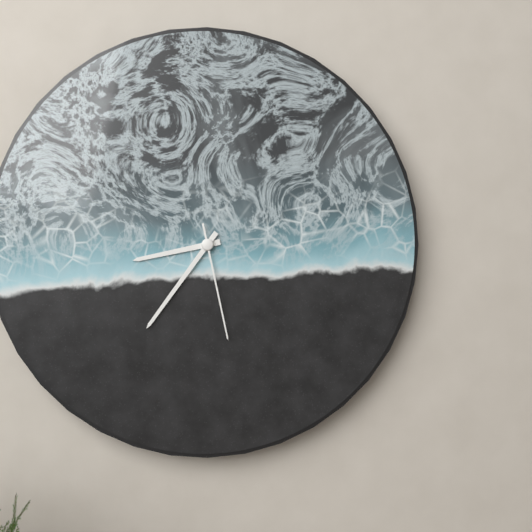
8:36:28
